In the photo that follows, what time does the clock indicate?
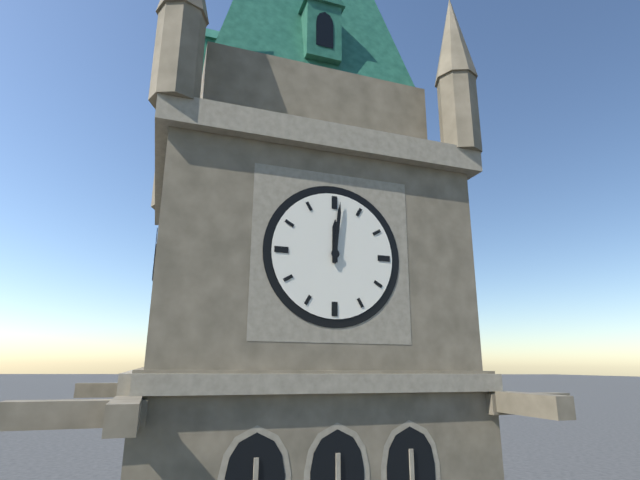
12:01
